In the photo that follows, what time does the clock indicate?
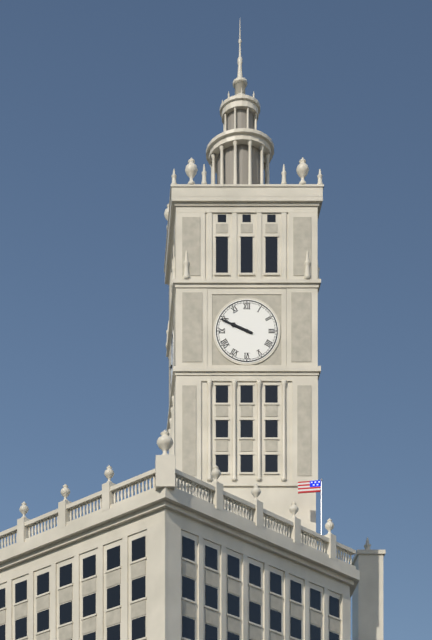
9:49
